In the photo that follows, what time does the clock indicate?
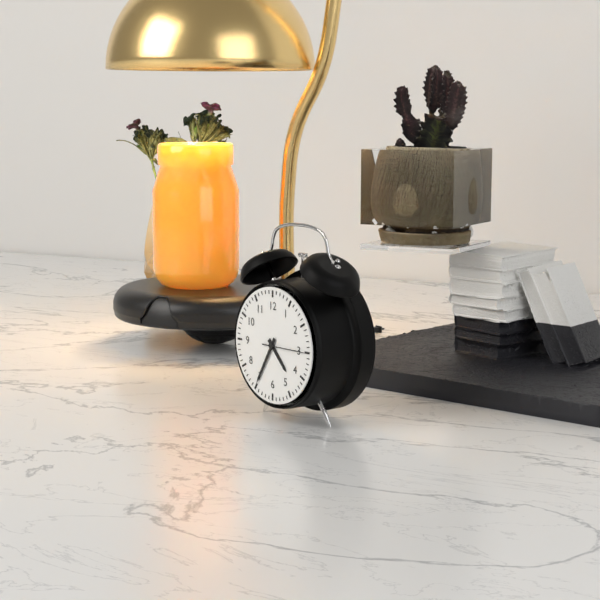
4:35
